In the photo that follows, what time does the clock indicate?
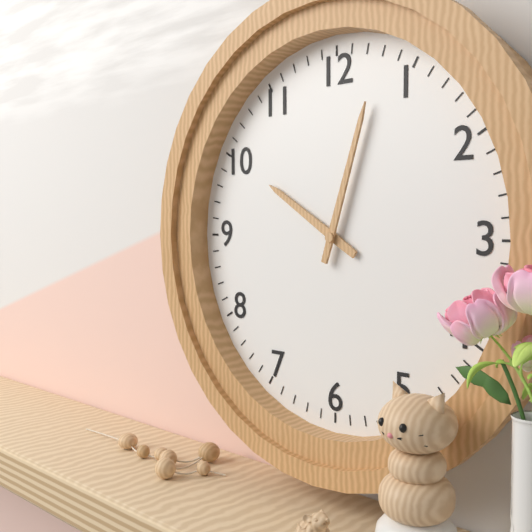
10:03
